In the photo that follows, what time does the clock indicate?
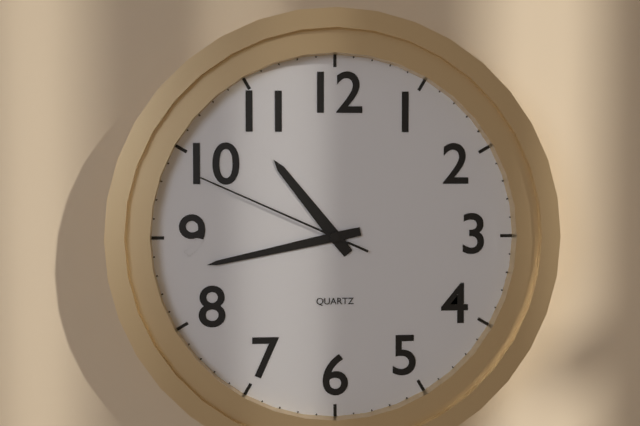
10:43:49
